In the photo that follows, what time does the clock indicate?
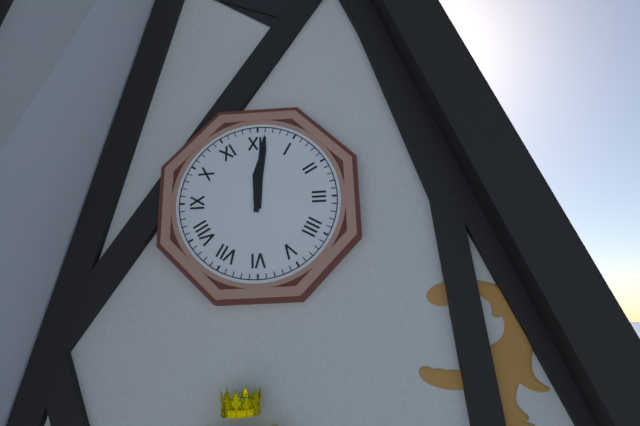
12:01
